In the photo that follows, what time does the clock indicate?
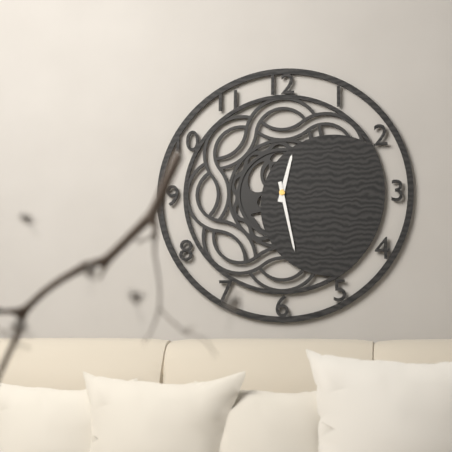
12:28
